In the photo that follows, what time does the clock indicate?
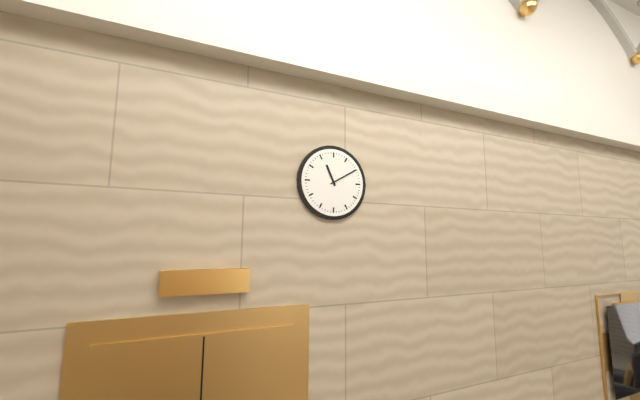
11:10
